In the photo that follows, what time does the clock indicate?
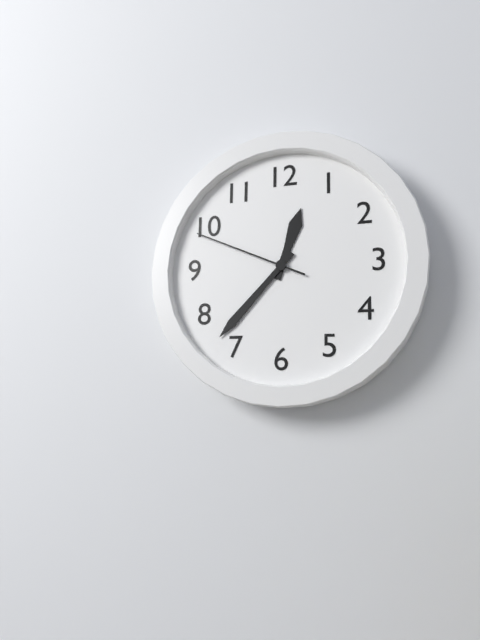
12:37:49
